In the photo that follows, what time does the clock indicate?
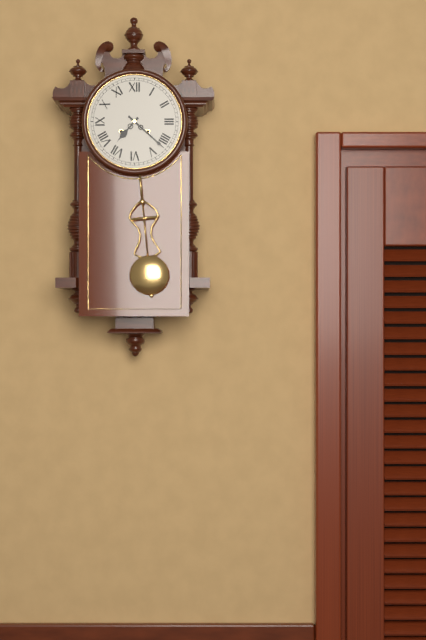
7:22
